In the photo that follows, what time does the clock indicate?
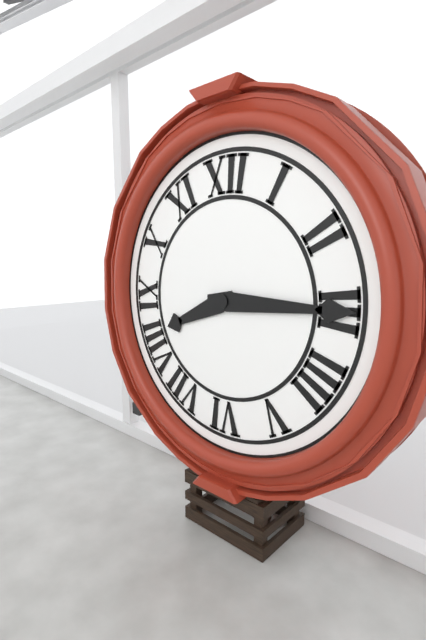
8:15
